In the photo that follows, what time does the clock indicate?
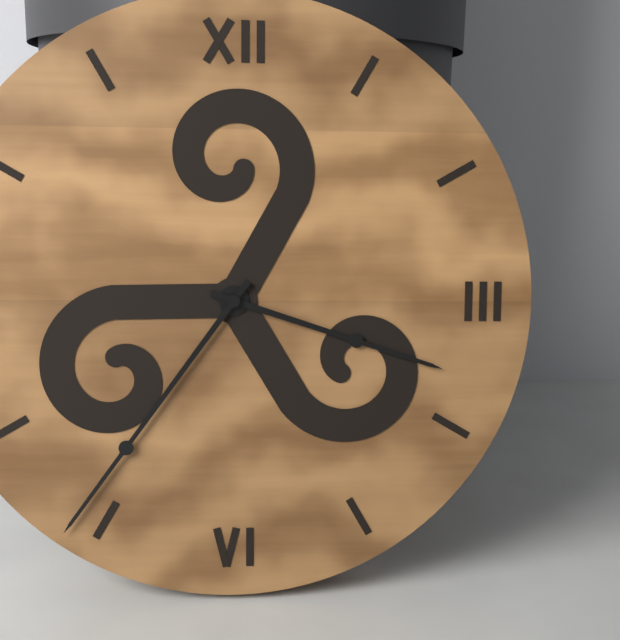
3:36
